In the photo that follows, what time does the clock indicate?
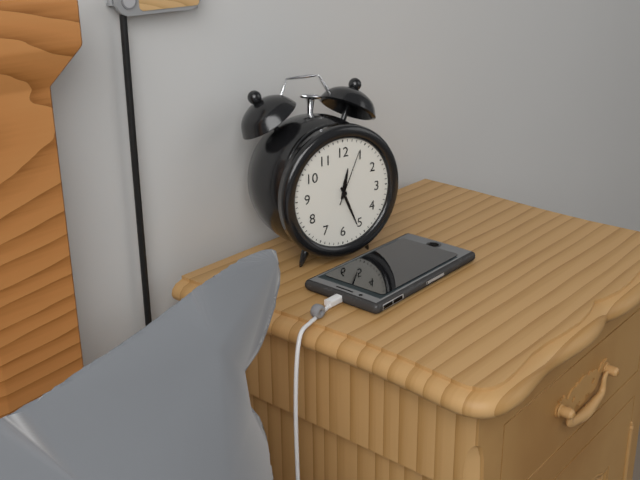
12:26:04
